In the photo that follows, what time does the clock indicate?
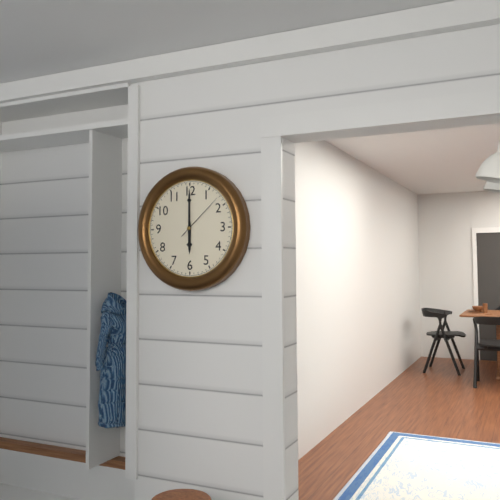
6:00:08
